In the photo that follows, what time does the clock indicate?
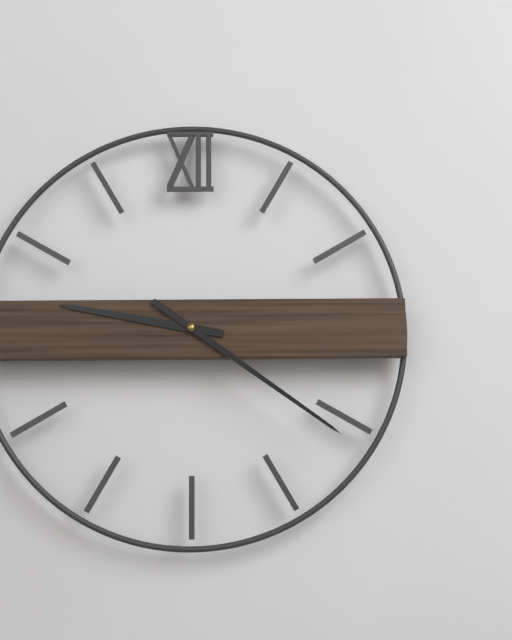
9:21
